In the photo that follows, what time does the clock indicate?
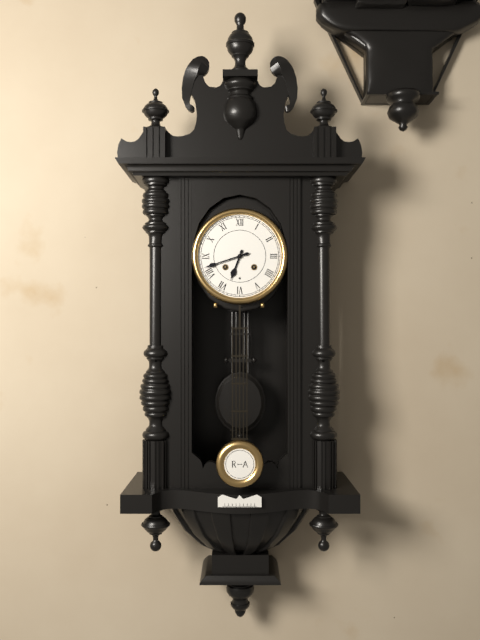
6:42
